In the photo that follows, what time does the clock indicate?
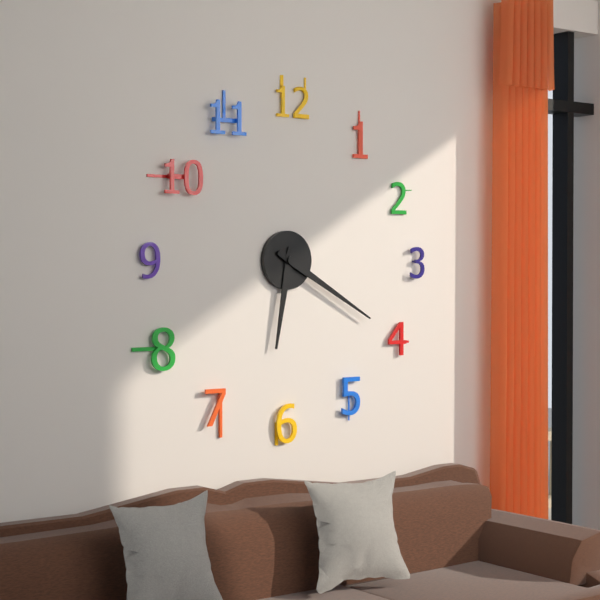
6:20
